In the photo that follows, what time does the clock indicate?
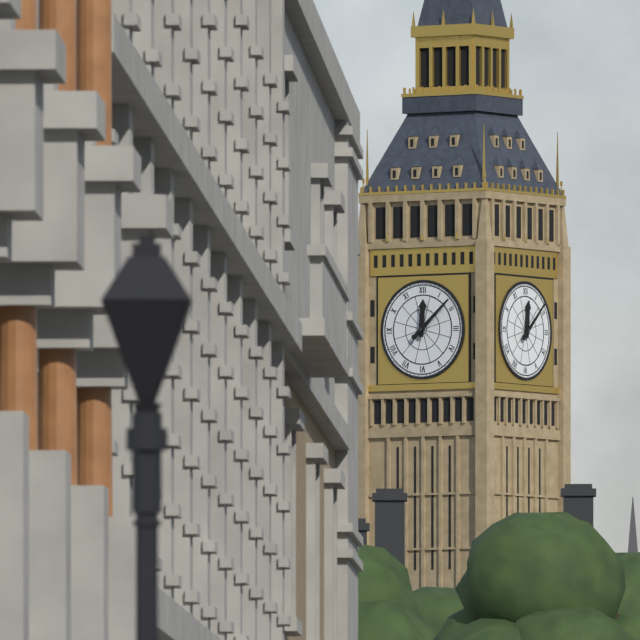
12:08
